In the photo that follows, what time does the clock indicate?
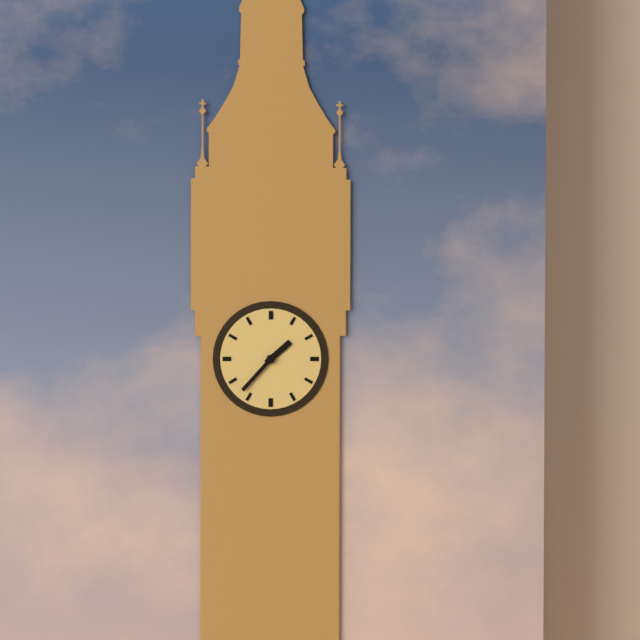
1:37
